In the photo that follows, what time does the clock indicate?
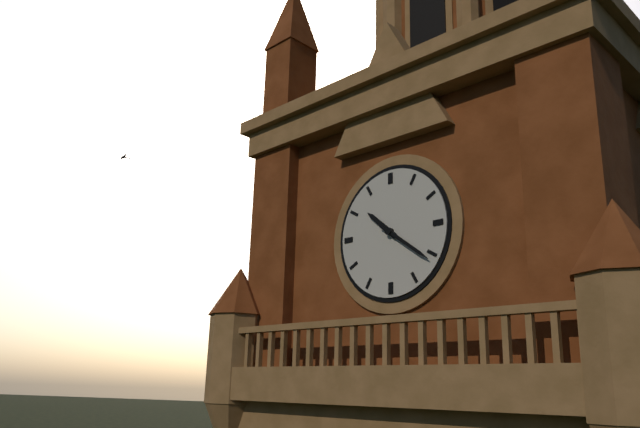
10:21
